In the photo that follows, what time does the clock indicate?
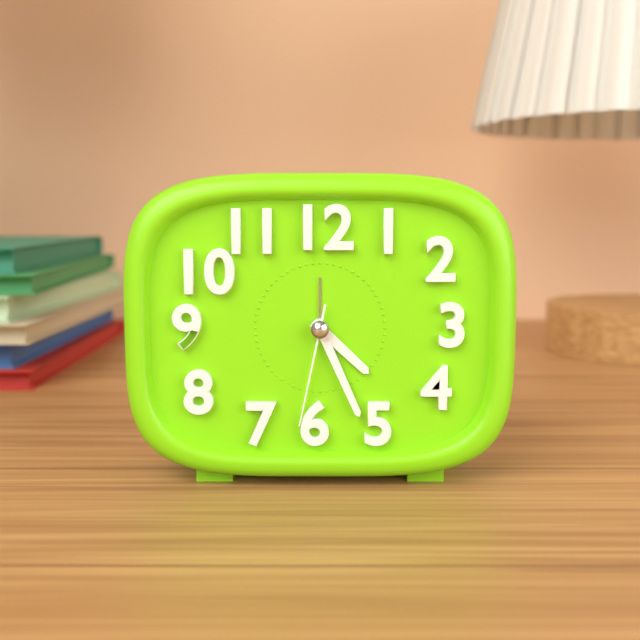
4:26:32
